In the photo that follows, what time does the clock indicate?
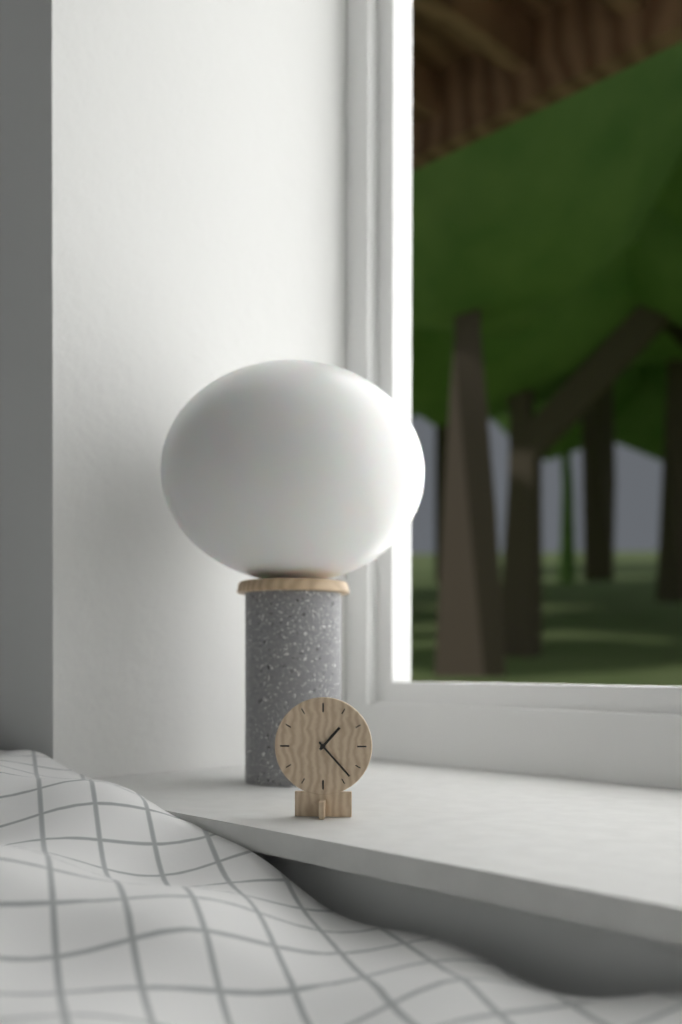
1:23
